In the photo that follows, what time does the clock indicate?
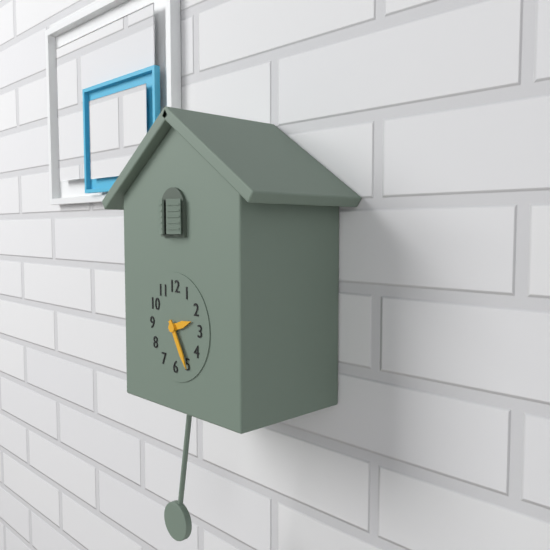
2:25
